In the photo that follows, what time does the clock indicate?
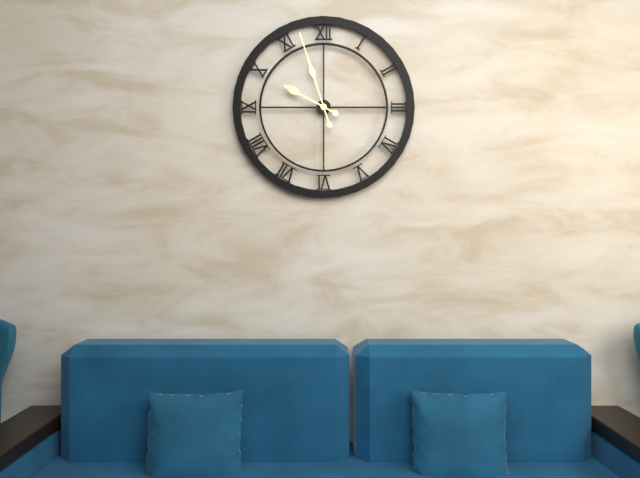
9:57
